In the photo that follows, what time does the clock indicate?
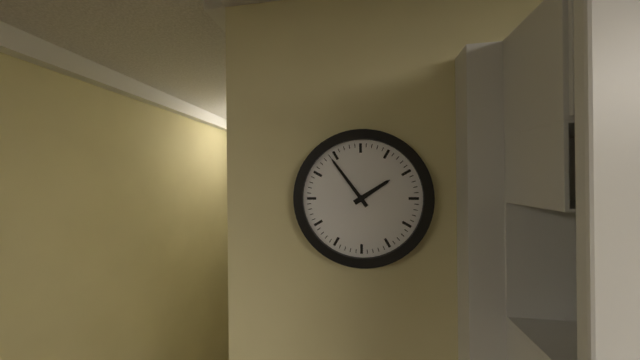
1:54
